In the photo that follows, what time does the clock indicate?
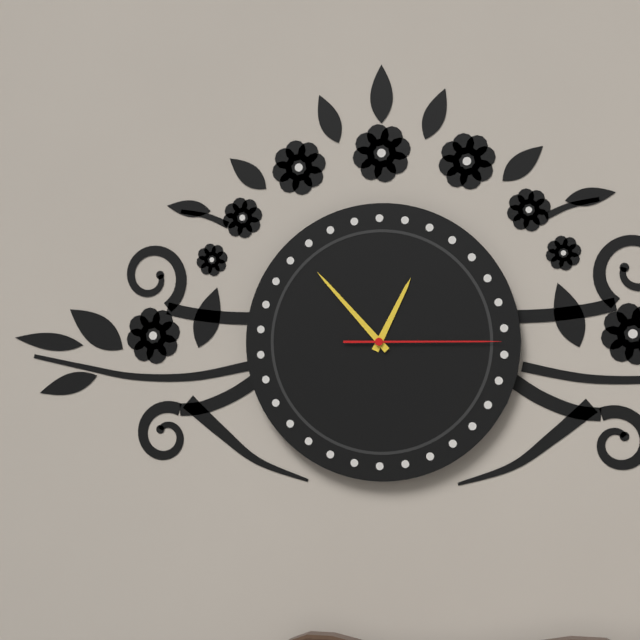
12:53:15
